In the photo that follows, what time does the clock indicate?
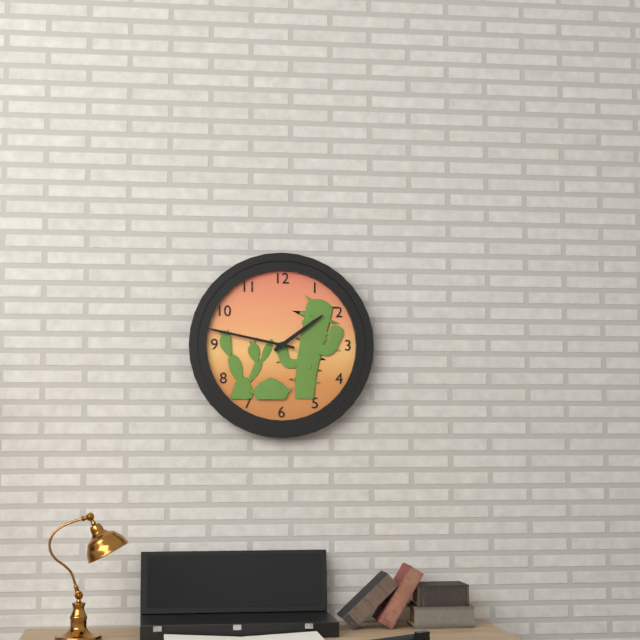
1:47
